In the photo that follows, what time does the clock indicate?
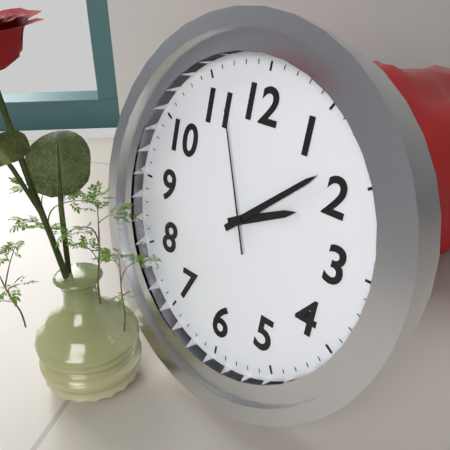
2:08:56
